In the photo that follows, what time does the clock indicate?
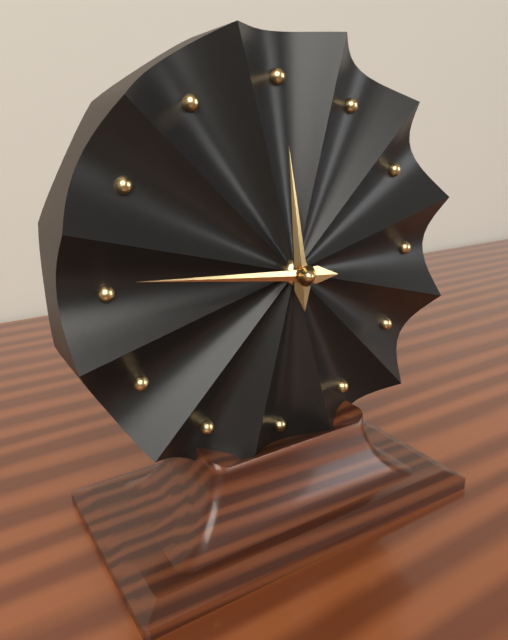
11:46
